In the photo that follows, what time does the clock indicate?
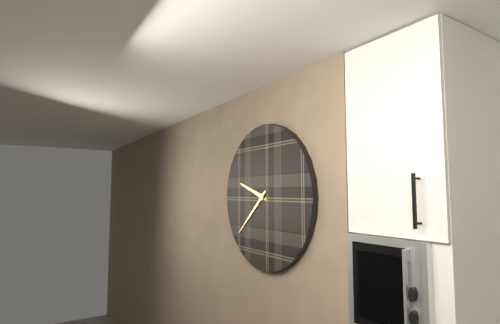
9:38
